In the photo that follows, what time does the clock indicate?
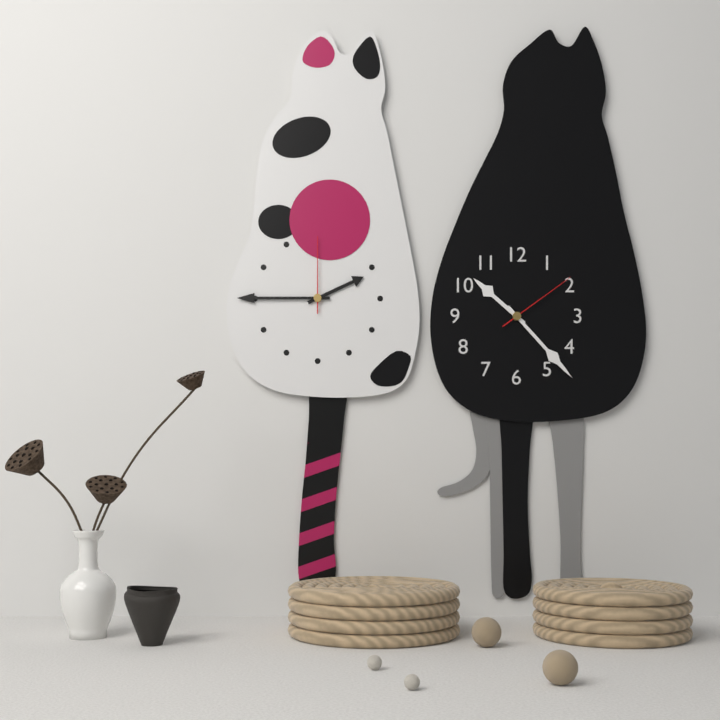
10:23:09
